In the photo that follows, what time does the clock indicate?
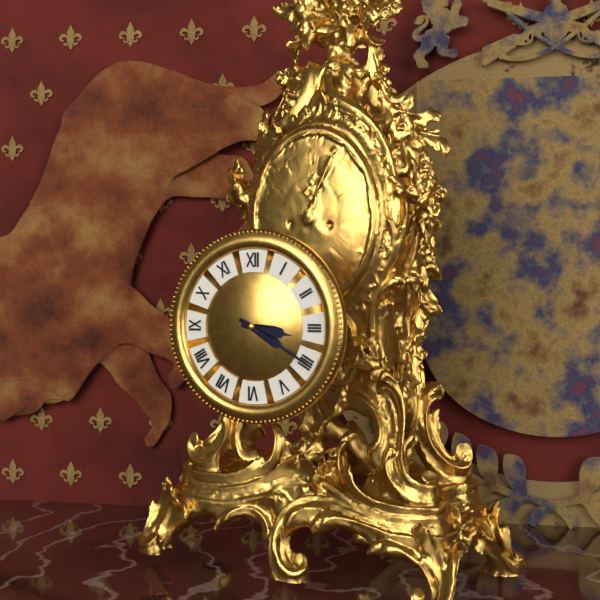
3:20
